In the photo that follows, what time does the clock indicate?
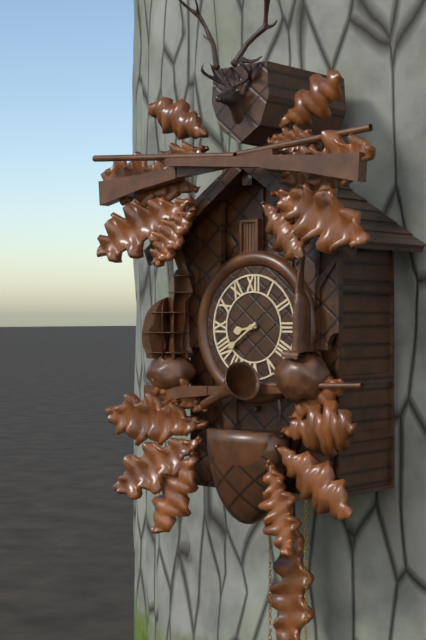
8:39
